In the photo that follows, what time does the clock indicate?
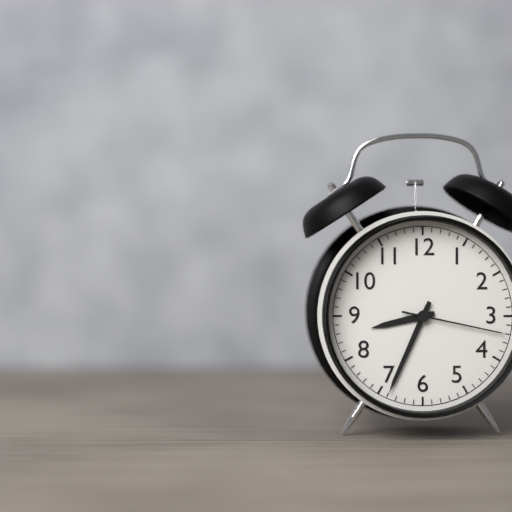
8:34:17
